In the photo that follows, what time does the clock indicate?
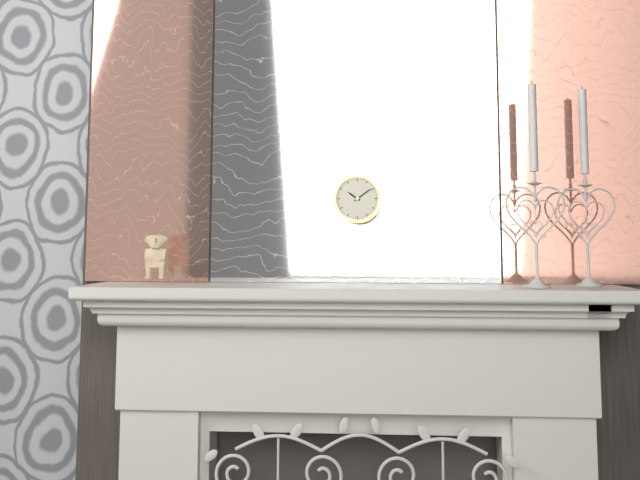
10:09
